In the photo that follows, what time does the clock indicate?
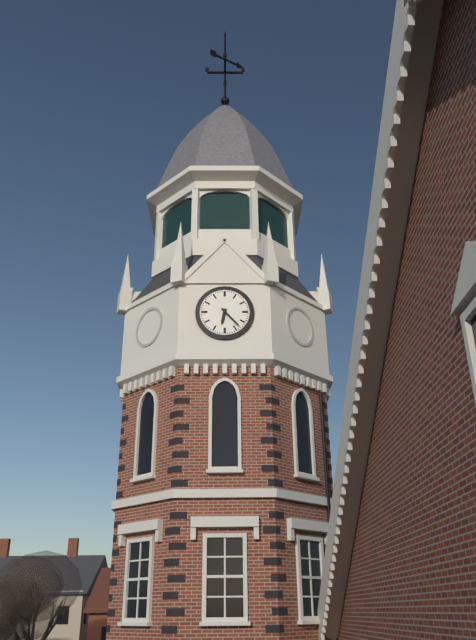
6:23
